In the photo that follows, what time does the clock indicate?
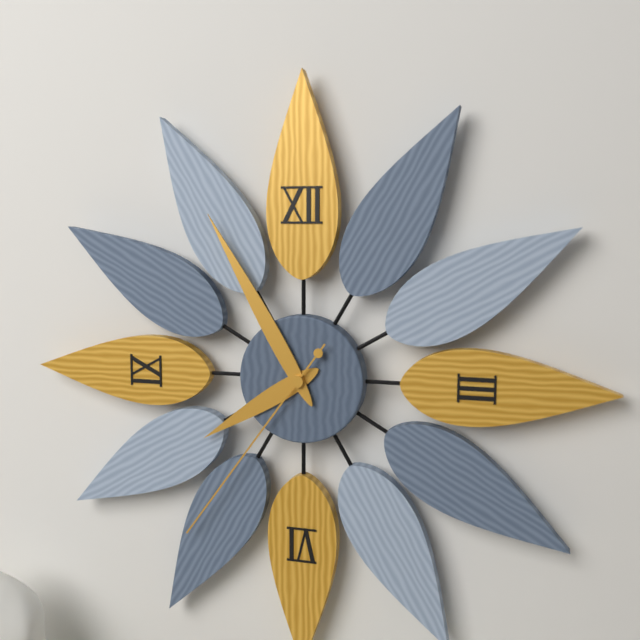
7:55:36
